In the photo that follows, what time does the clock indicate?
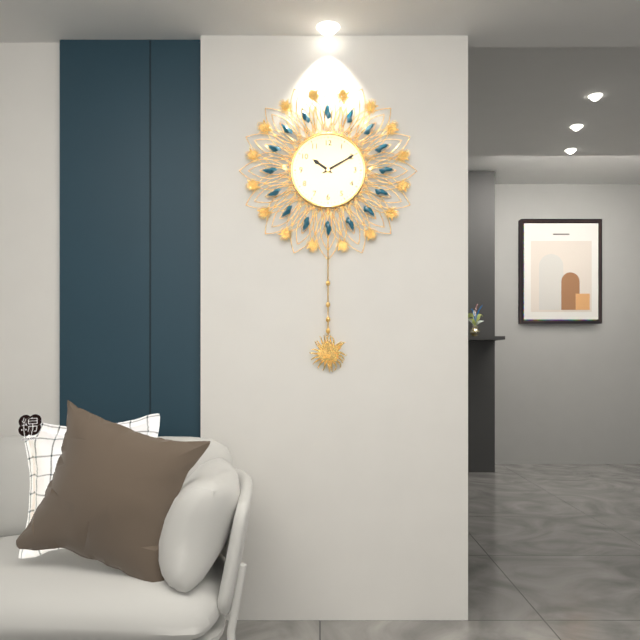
10:10
